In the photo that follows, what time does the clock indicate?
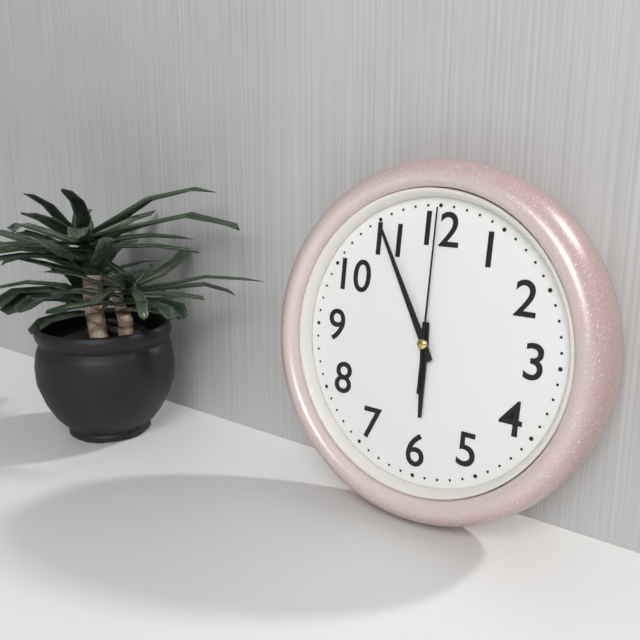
5:55:00
